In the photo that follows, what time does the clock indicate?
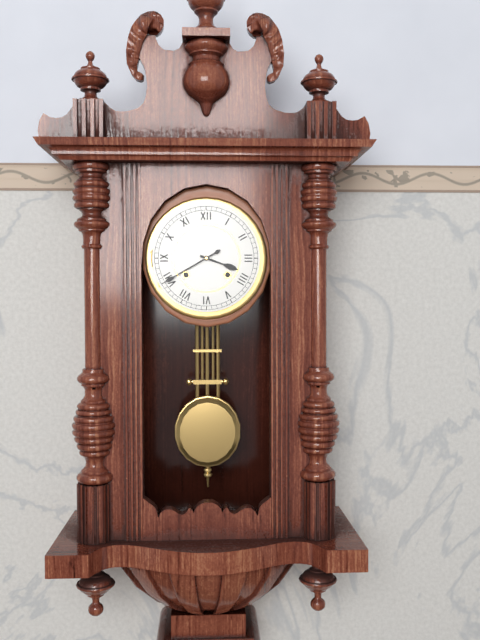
3:40
